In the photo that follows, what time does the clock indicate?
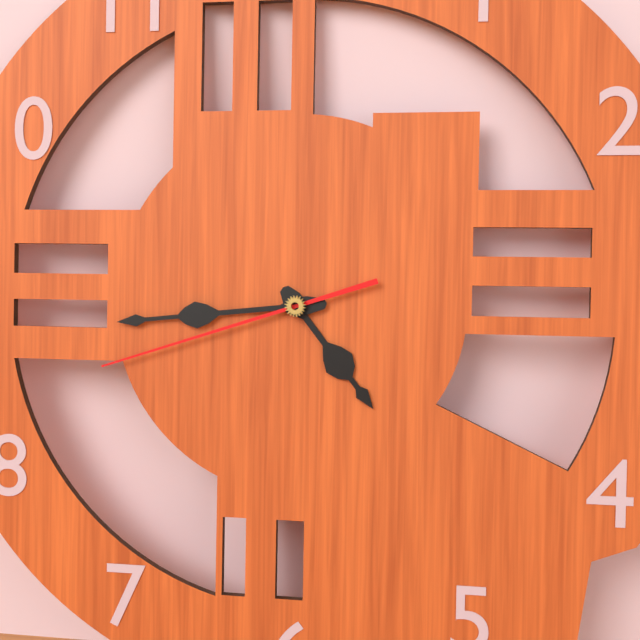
4:44:42
